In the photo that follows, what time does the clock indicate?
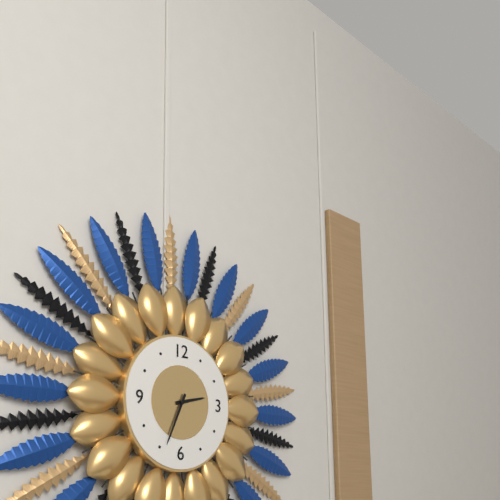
2:34
